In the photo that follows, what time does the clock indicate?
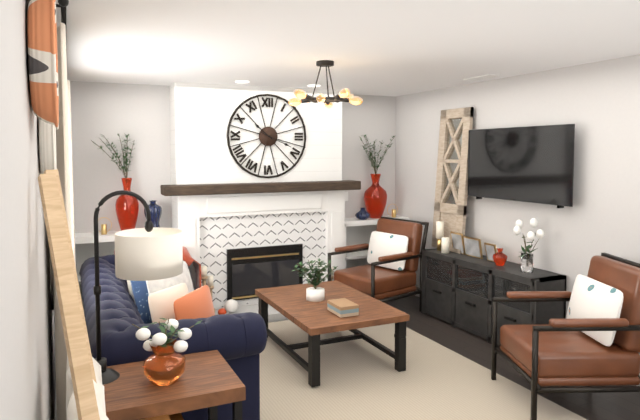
10:19
